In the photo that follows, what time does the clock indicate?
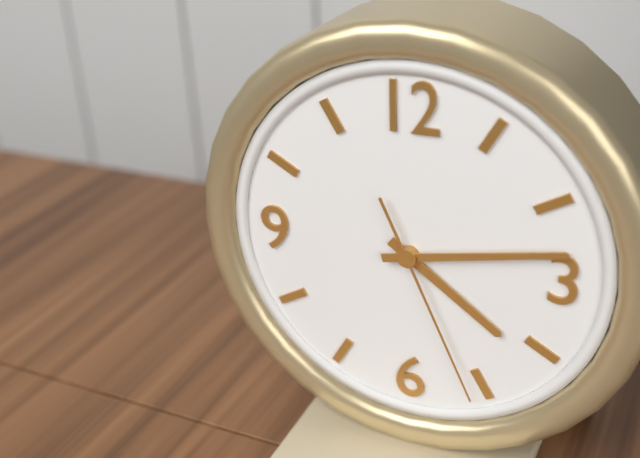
4:13:26
